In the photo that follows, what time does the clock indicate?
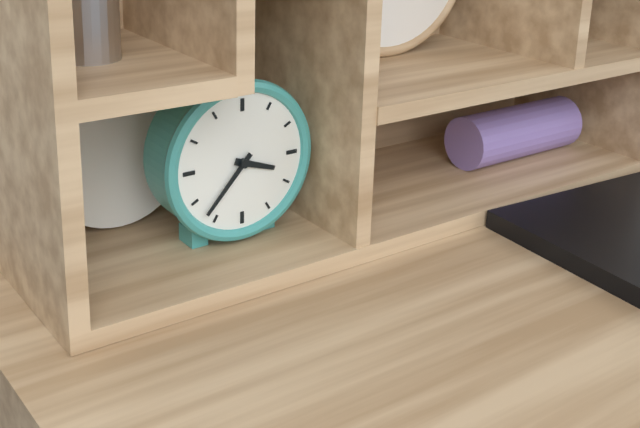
3:37
